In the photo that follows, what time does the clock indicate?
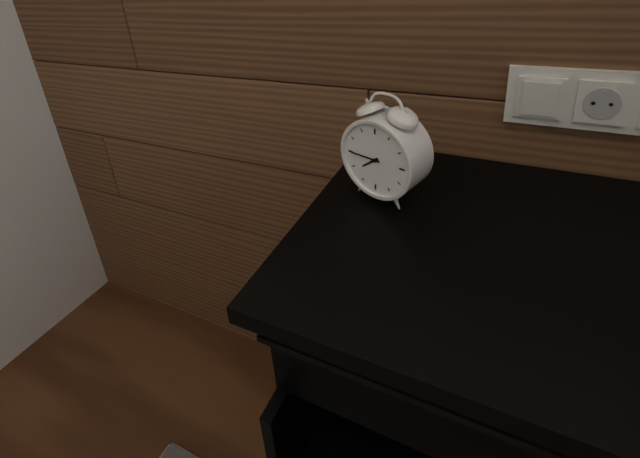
7:45
